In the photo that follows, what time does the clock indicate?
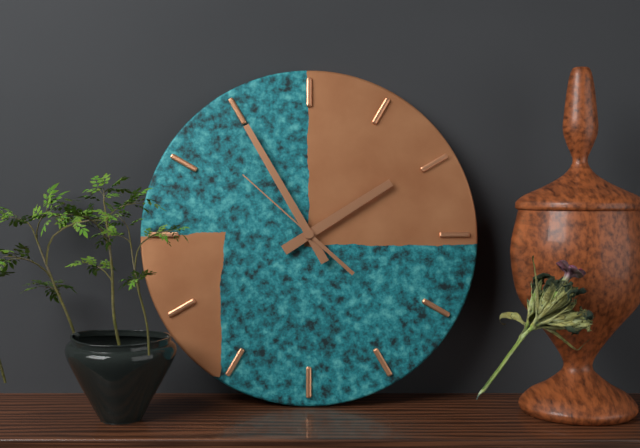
1:55:52
